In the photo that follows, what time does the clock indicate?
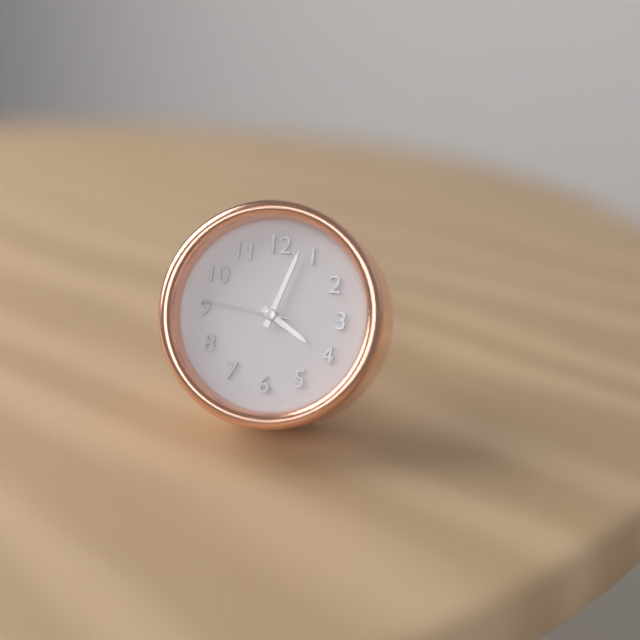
4:03:46
